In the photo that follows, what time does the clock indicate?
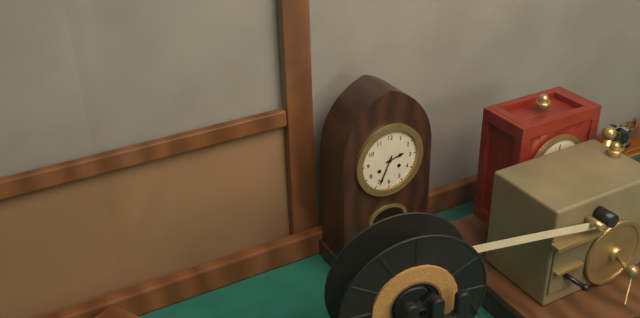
2:34
